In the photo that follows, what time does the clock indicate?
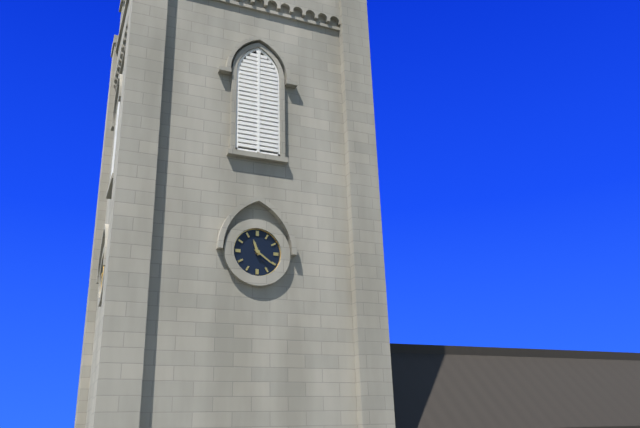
11:21
